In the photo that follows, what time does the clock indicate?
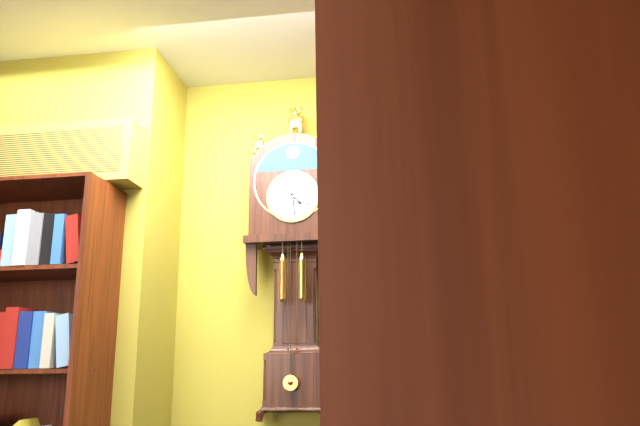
4:29
